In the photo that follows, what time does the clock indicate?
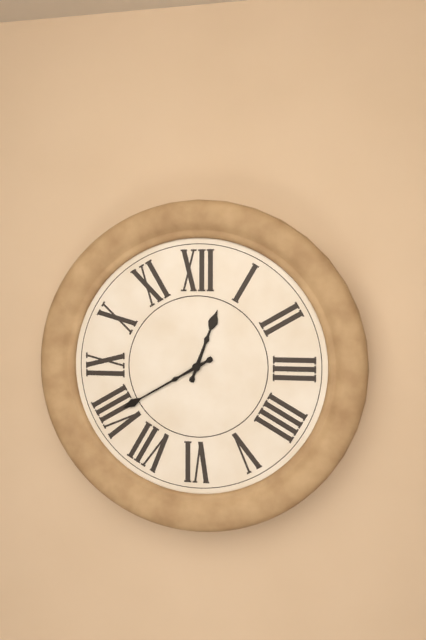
12:40
